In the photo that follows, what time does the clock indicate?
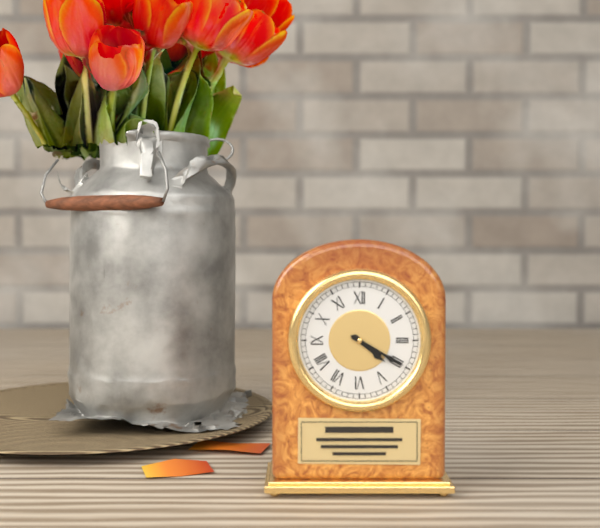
4:20
